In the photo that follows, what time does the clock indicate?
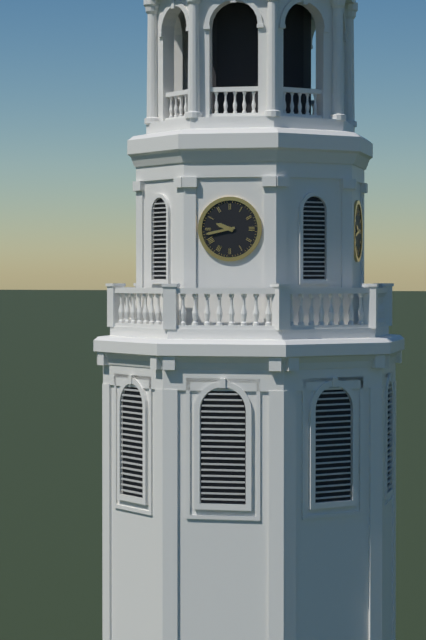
9:43
